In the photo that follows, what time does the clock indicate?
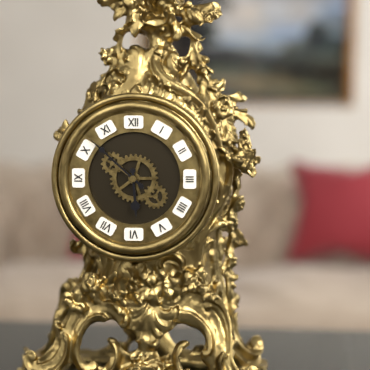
5:52
